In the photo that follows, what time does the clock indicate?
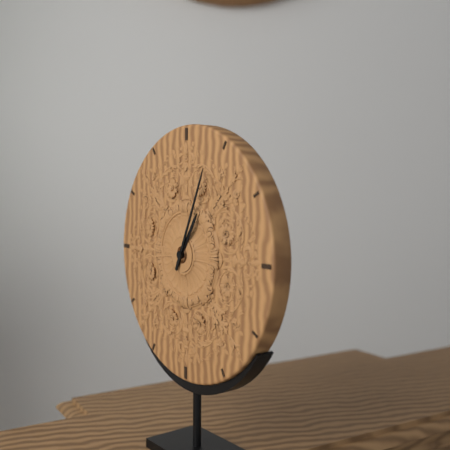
1:04
